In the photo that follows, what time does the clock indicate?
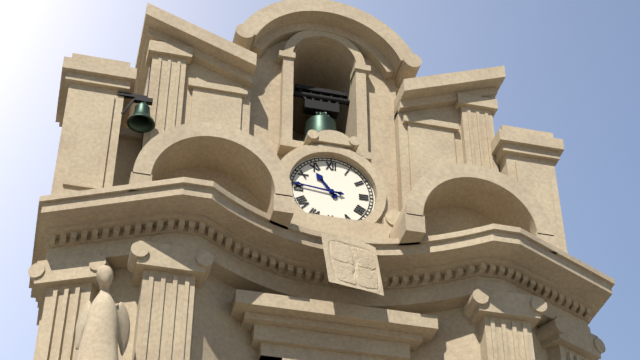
10:46
